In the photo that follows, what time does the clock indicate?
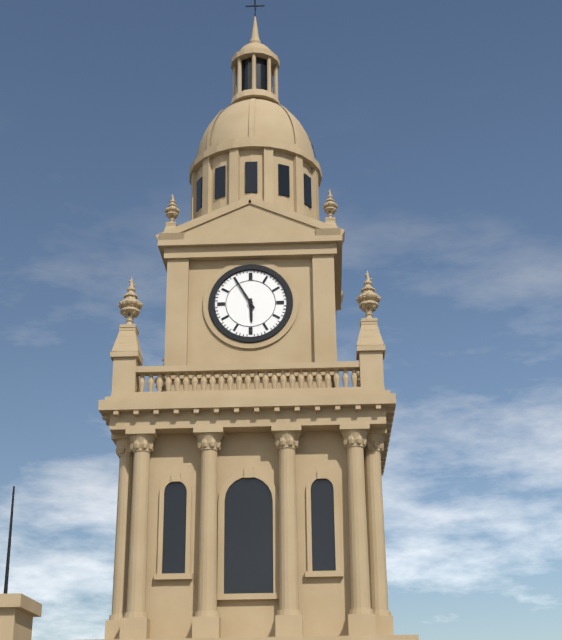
5:55
